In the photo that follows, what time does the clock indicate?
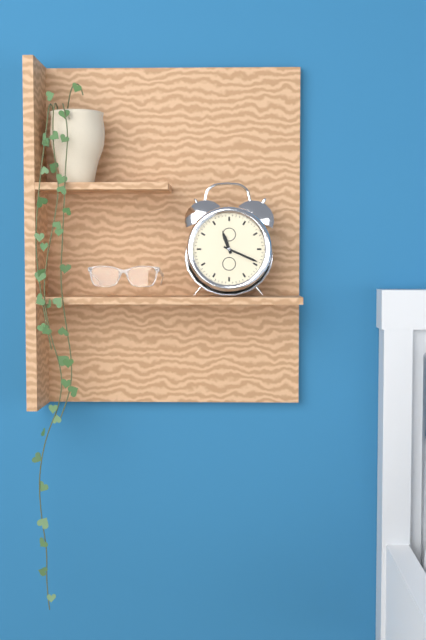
11:19
